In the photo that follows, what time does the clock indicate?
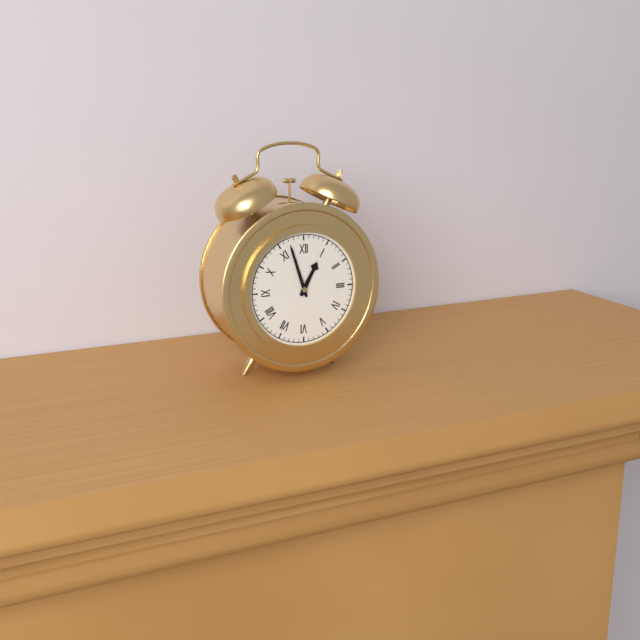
12:57
